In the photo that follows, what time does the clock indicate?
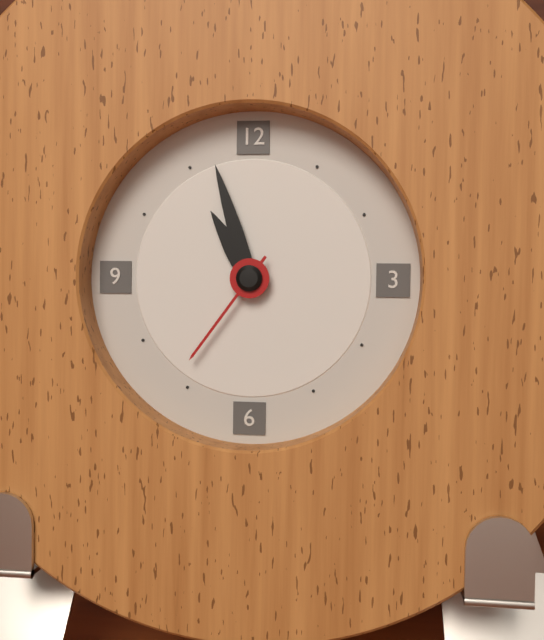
10:57:36
